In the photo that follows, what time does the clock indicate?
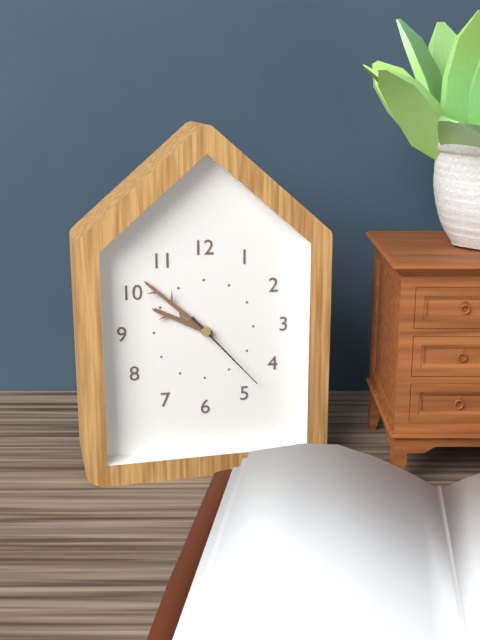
9:52:23
